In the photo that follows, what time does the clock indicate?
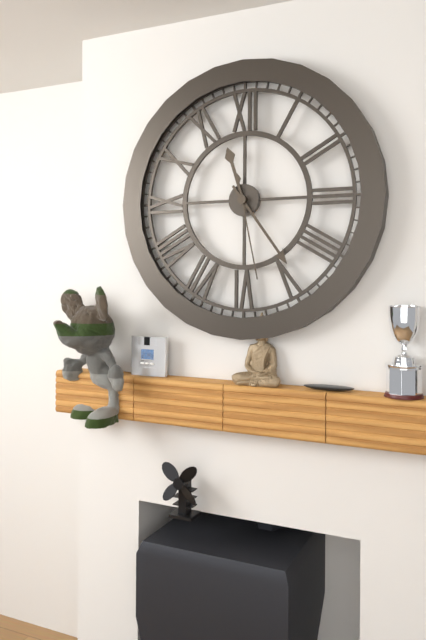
11:24:28
